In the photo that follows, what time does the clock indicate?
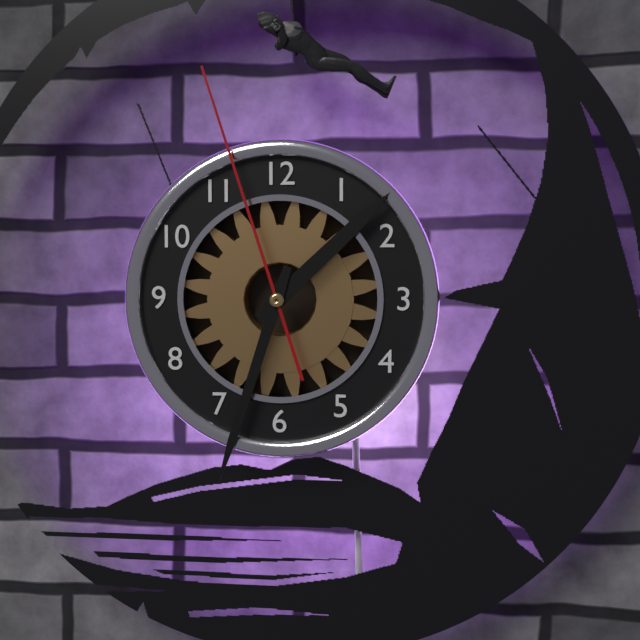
1:33:57
